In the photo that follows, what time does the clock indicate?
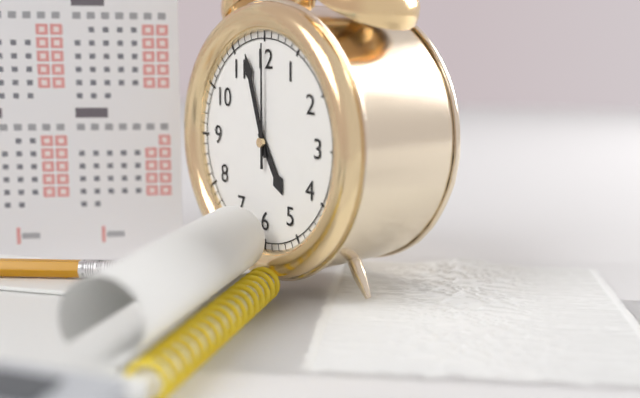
4:57:00
